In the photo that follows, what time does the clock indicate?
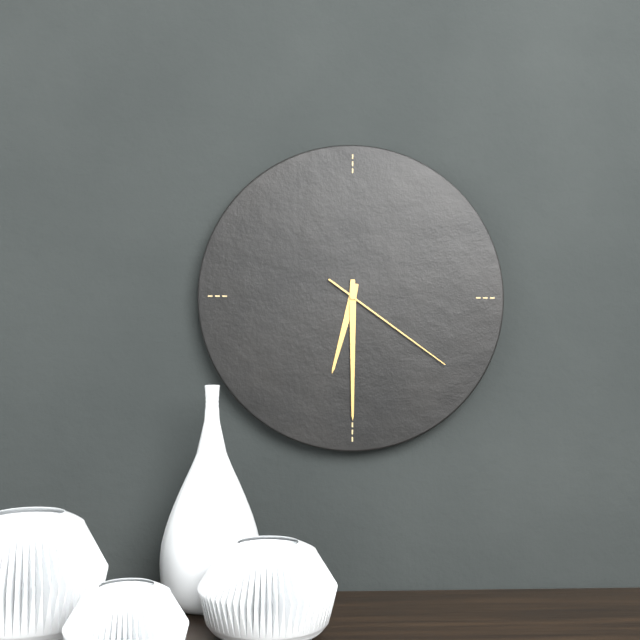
6:30:21
